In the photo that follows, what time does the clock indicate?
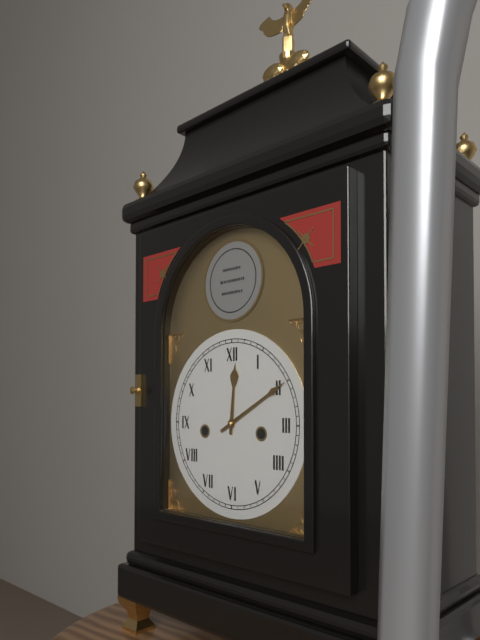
12:10
